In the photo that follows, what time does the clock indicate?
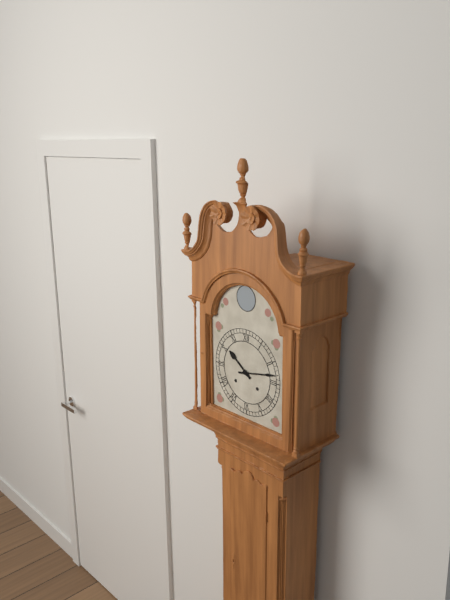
10:13
